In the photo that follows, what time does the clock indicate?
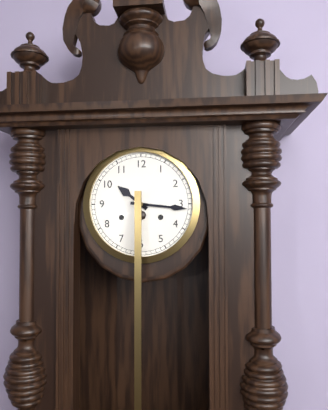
10:16
